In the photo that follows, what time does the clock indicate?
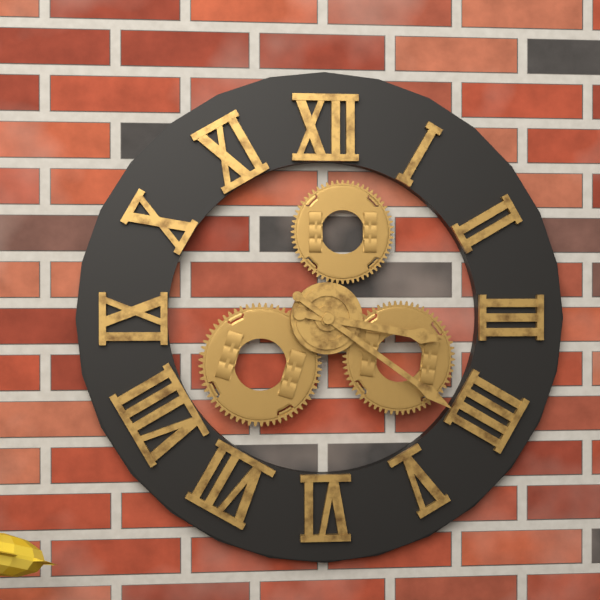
3:21
